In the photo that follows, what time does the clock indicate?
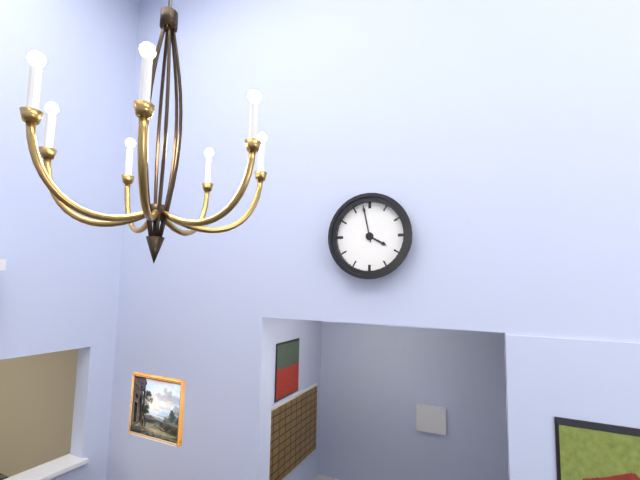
3:58
